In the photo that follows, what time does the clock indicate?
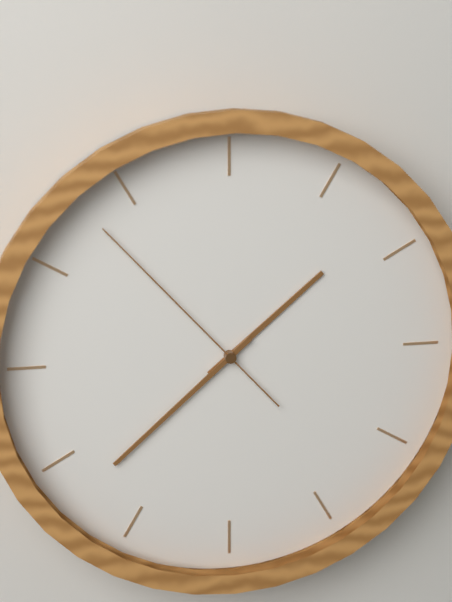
1:38:53
